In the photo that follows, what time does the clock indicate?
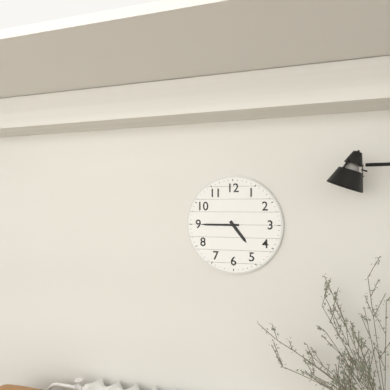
4:45
